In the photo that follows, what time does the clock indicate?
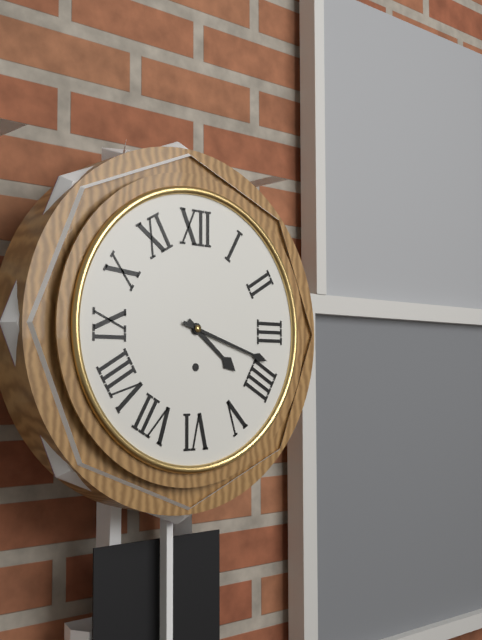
4:18
